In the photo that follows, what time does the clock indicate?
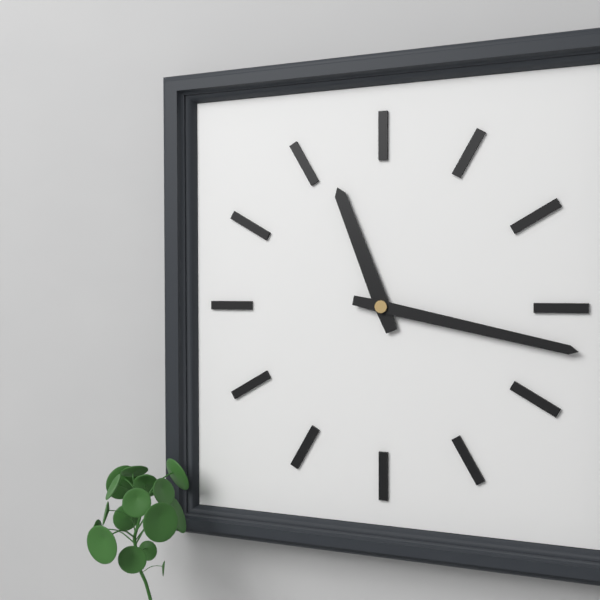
11:17
